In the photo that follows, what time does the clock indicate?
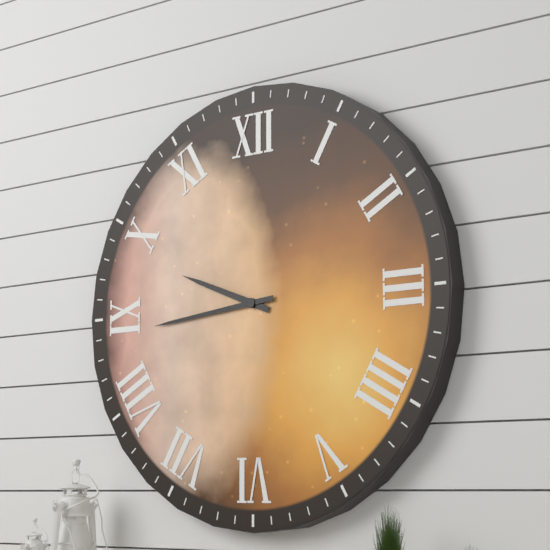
9:44
